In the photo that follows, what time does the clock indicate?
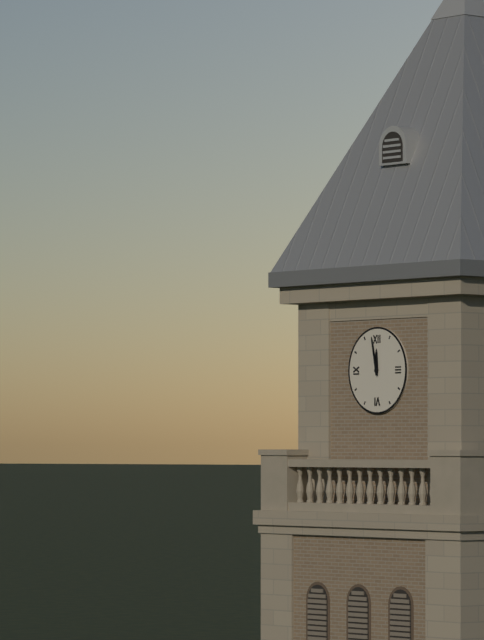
11:58
